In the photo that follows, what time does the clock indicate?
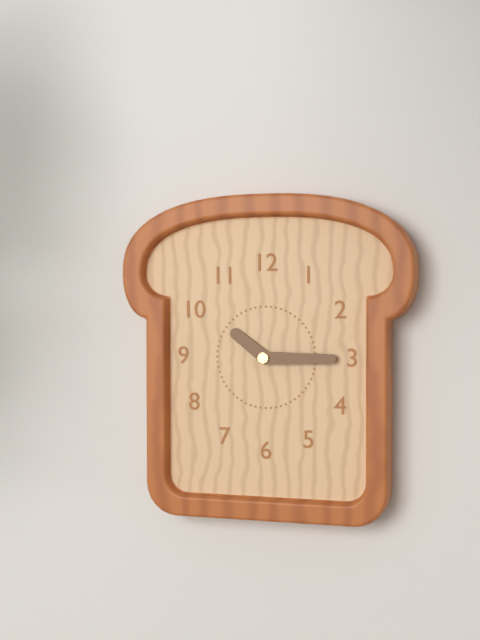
10:15
